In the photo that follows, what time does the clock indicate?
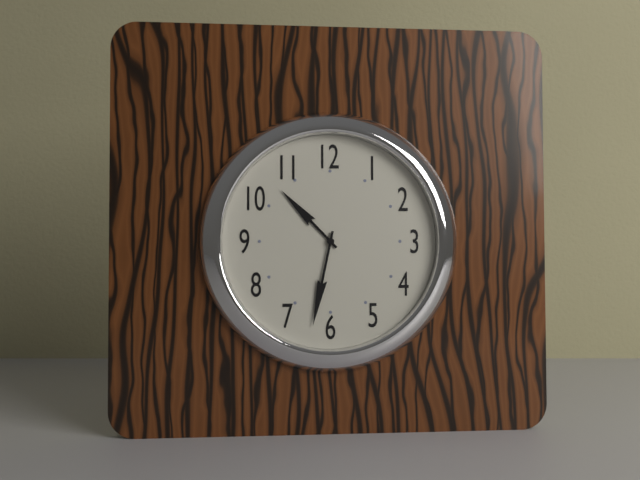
10:32
